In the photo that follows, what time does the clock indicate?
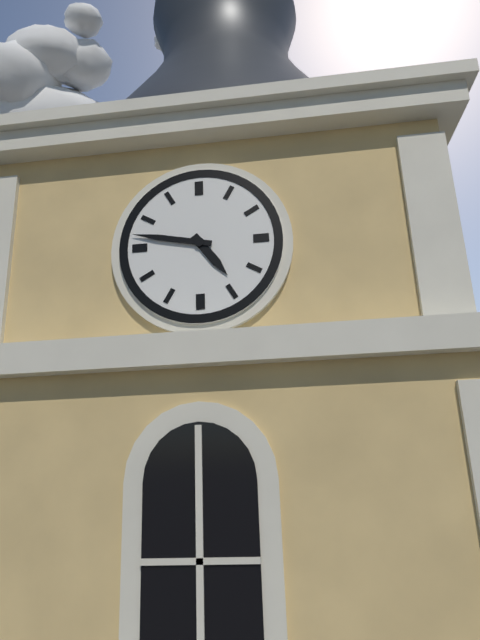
4:47
